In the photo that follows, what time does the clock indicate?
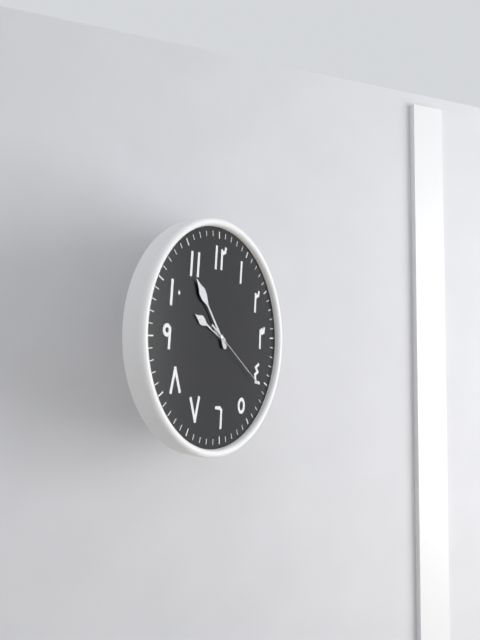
9:54:21
